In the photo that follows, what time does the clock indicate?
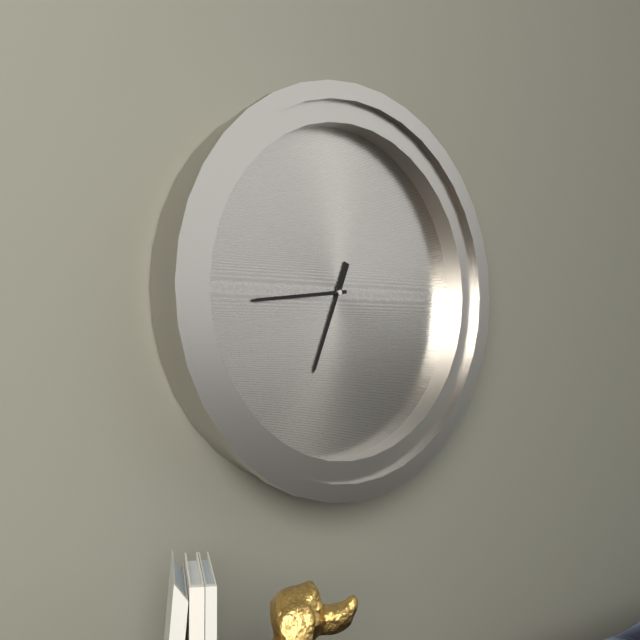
6:44
